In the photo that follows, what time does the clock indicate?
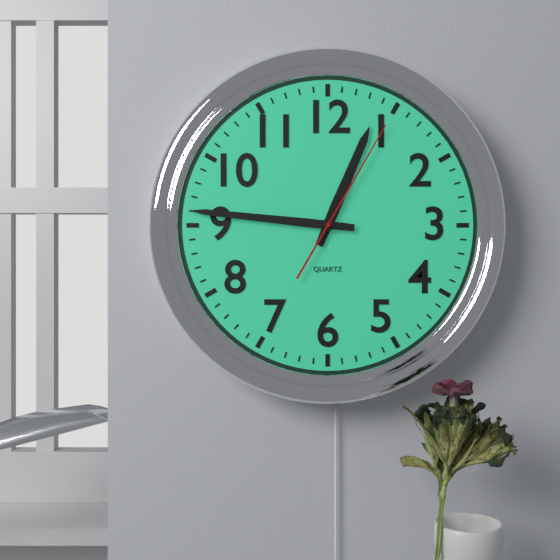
12:46:05
